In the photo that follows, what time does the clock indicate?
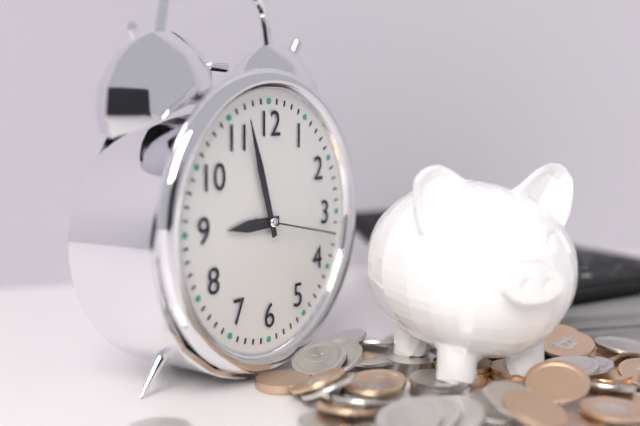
8:57:17
